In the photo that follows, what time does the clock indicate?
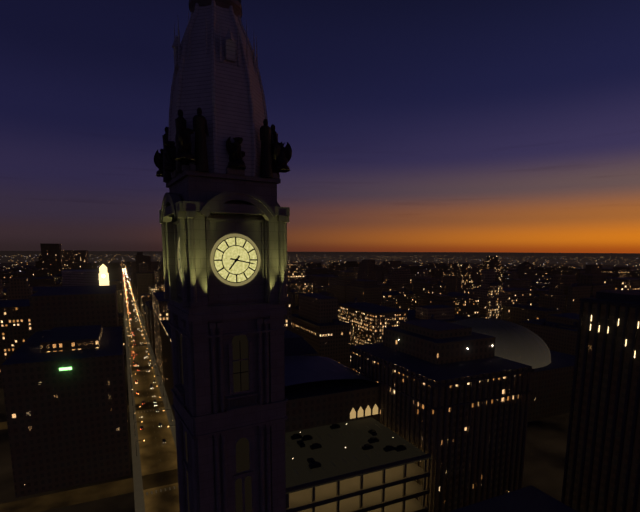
7:17
